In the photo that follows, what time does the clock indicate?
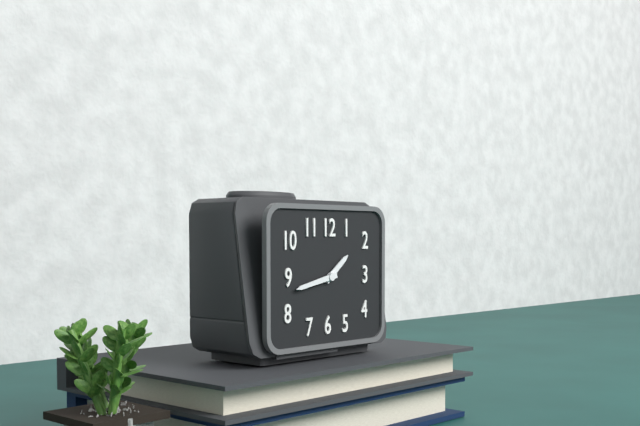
1:43
